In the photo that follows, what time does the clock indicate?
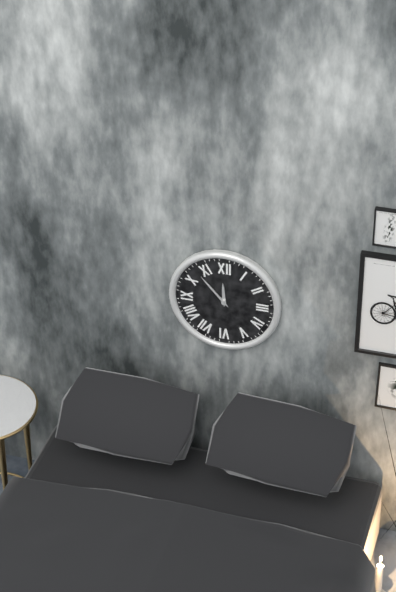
11:53
